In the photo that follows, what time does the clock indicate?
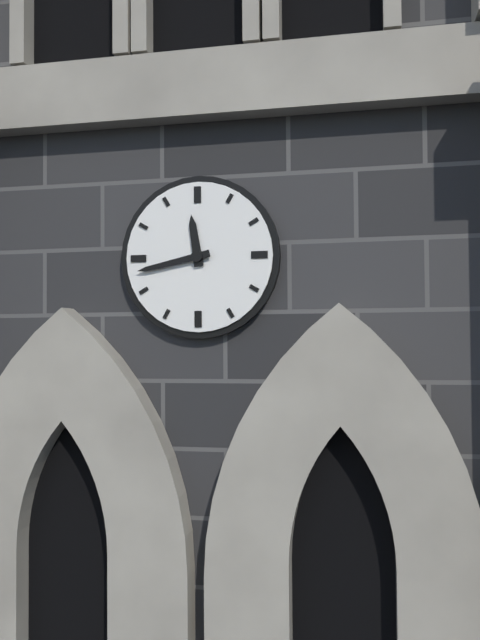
11:43
